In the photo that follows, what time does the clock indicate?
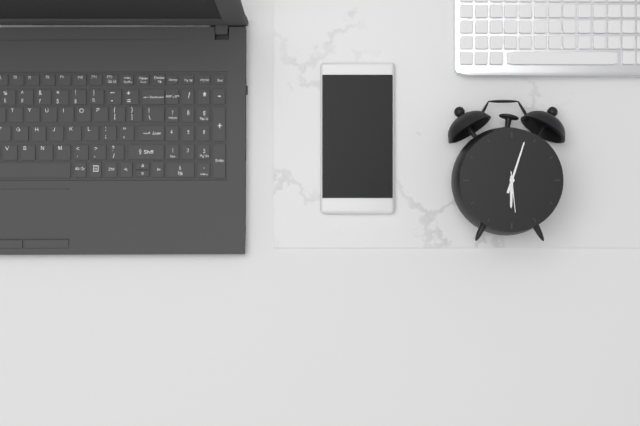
6:03
